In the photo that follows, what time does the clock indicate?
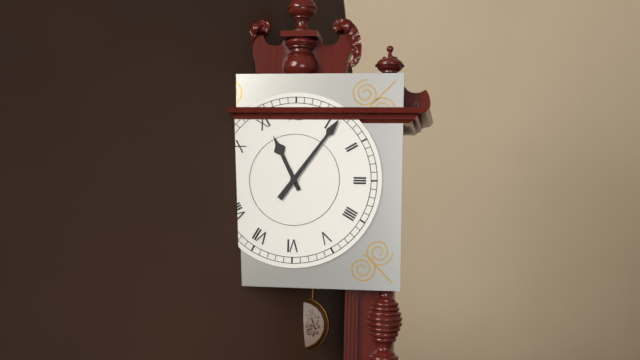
11:06
